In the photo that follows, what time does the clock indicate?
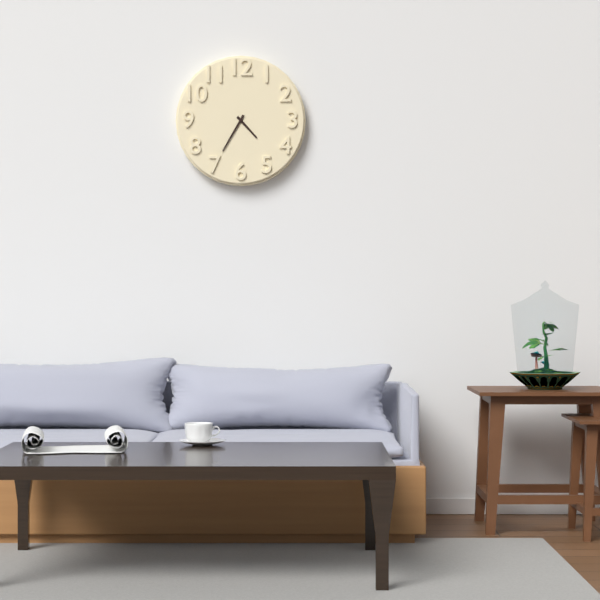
4:35
